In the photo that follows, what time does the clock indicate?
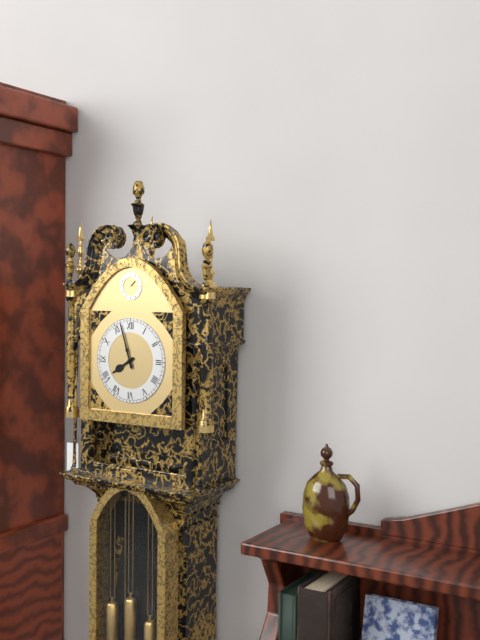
7:57
